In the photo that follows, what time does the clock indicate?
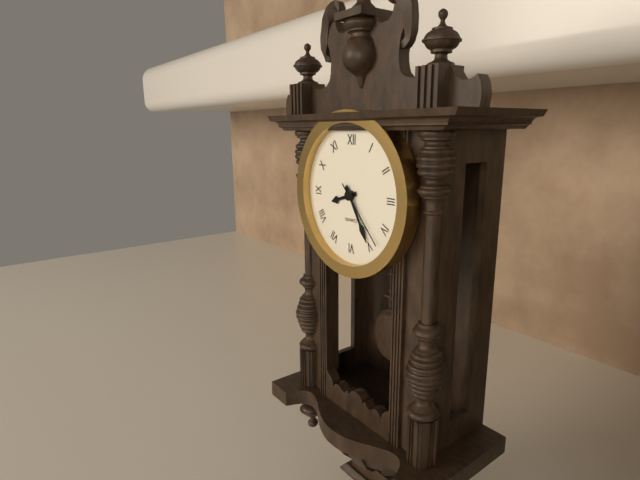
8:25:23
